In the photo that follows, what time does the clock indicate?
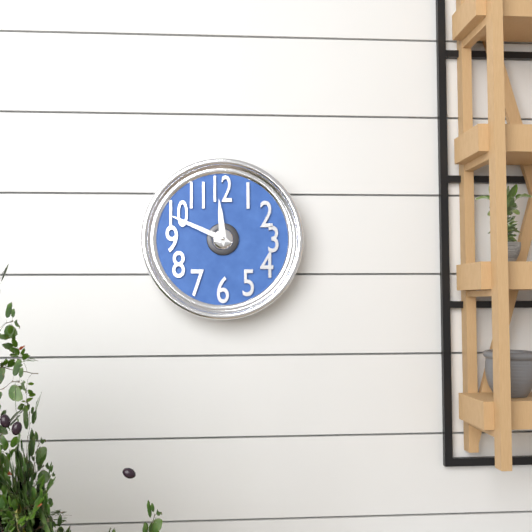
11:49
